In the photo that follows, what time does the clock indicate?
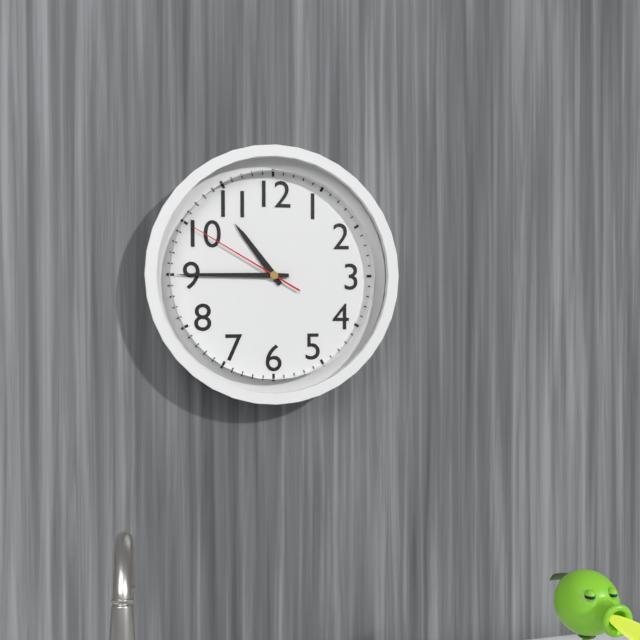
10:45:50
